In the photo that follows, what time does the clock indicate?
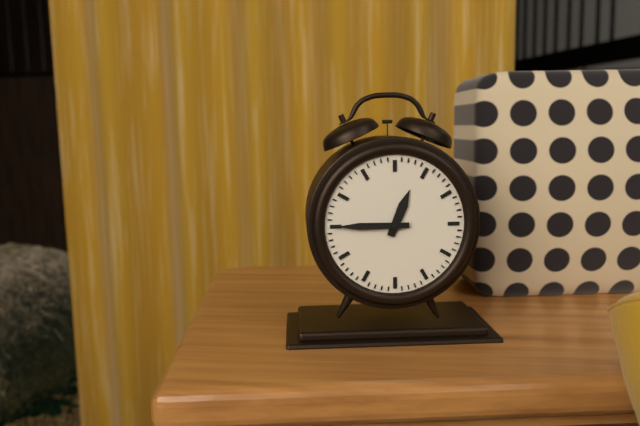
12:45
